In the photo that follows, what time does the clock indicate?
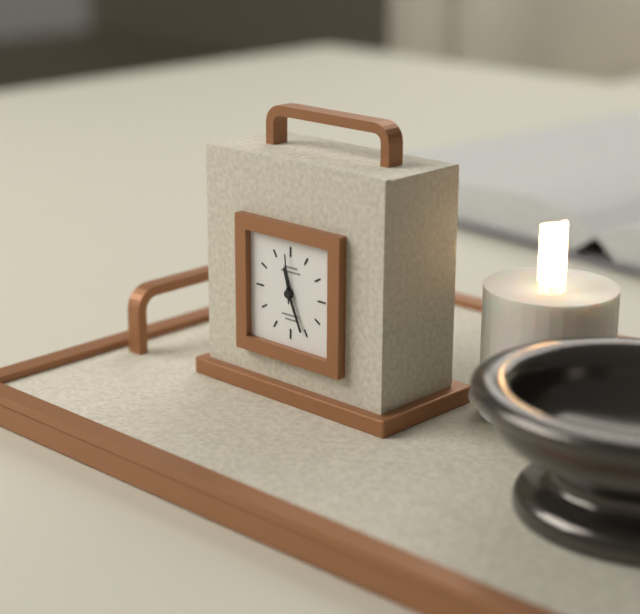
11:26
